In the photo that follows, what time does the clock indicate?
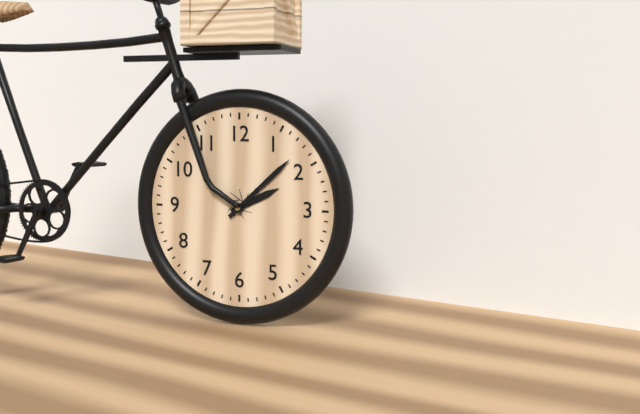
2:08
